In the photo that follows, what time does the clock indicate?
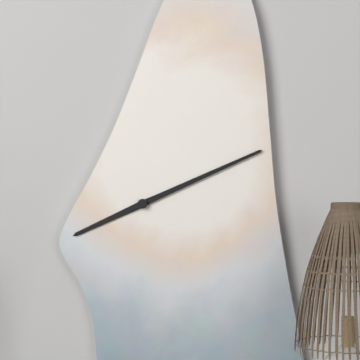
8:11
